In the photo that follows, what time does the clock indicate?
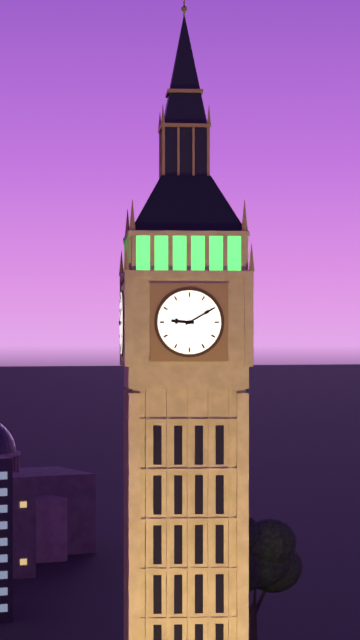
9:10
